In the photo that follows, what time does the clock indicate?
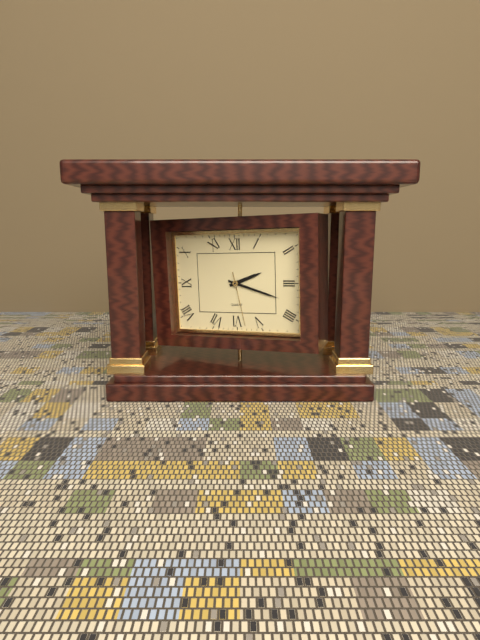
2:18:28
